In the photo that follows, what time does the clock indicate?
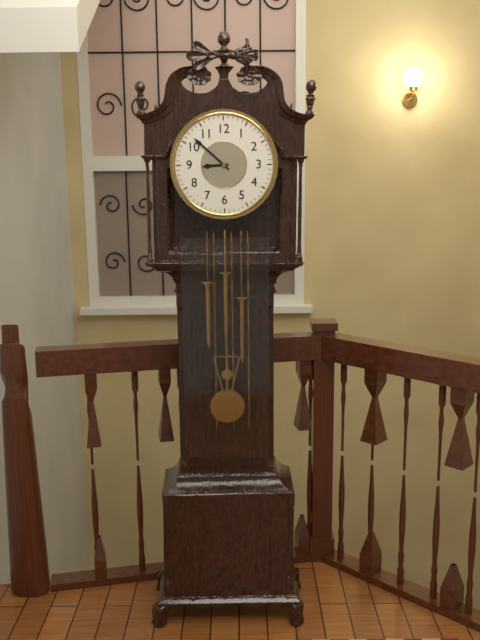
8:52
